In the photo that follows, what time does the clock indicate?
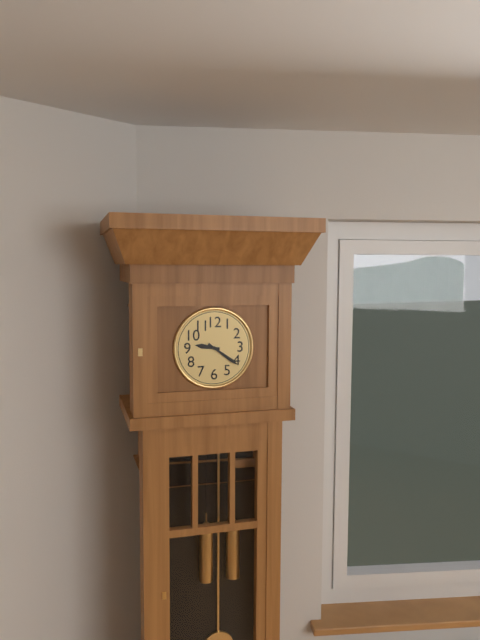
9:21
